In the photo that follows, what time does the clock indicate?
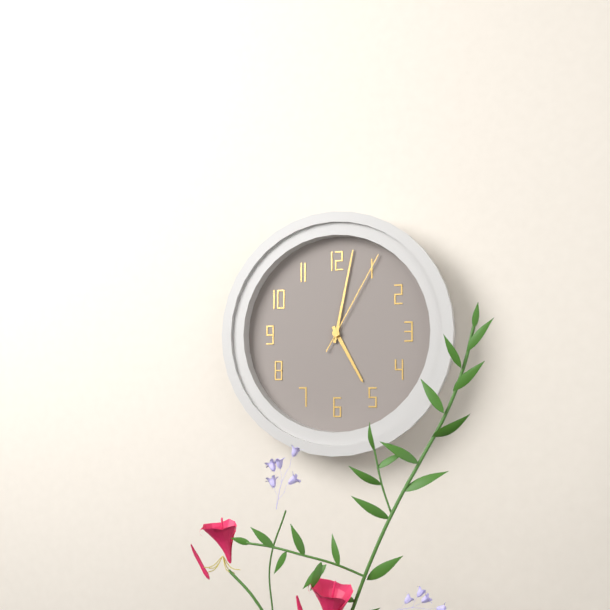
5:02:05
